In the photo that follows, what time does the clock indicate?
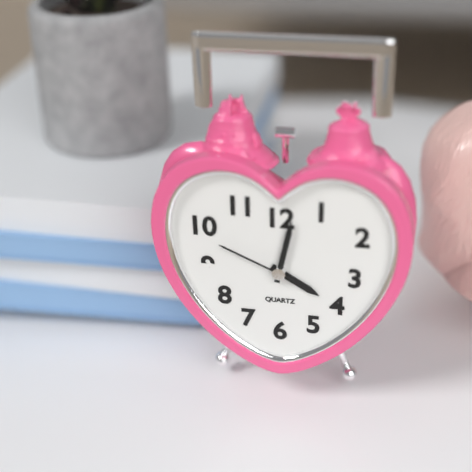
4:02:49
